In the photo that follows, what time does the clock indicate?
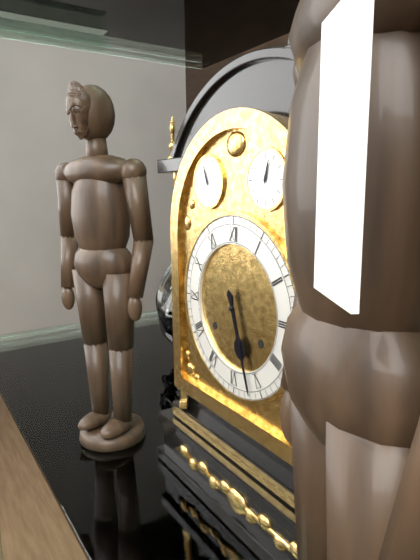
5:27
